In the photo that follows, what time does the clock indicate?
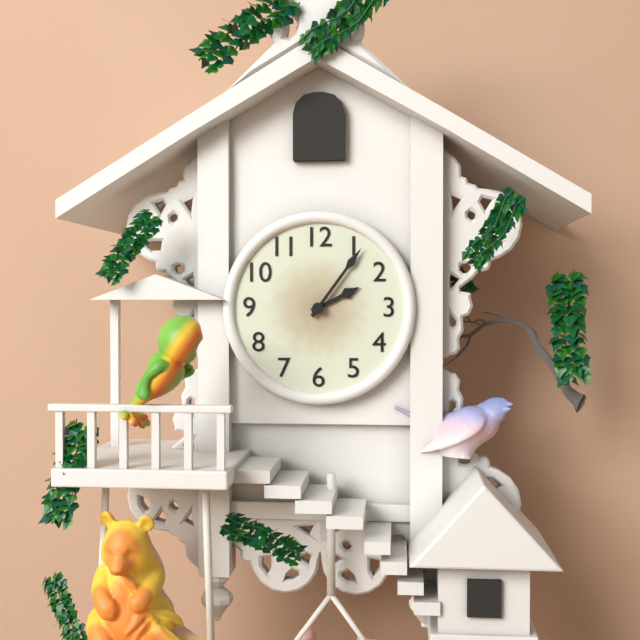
2:06
